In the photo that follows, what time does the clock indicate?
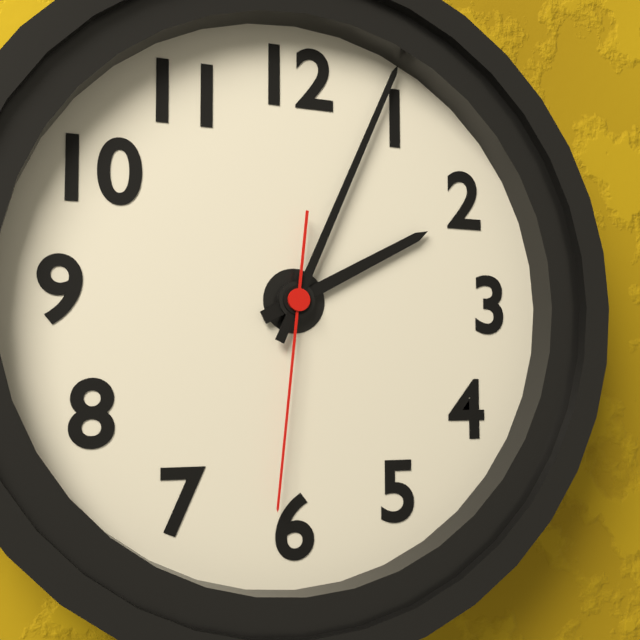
2:04:31
